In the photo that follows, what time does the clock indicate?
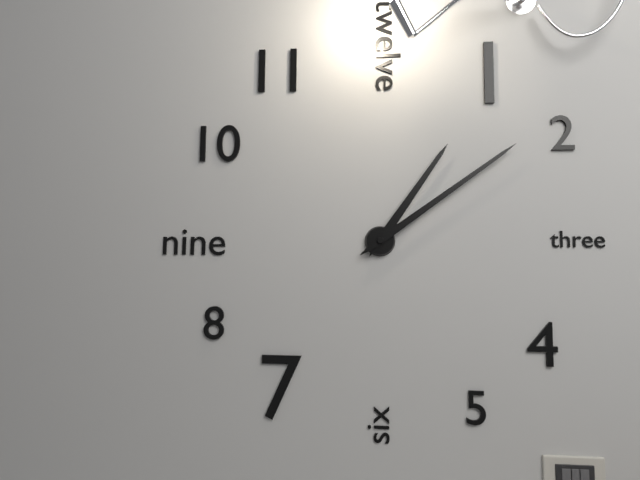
1:09
